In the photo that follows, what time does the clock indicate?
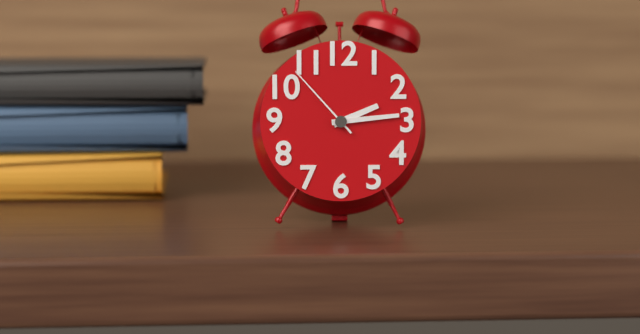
2:14:53
